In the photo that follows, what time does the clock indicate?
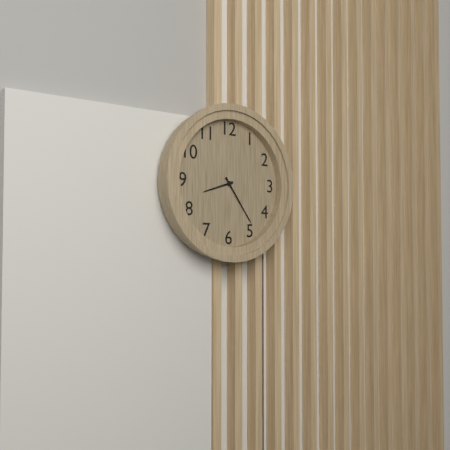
8:24
